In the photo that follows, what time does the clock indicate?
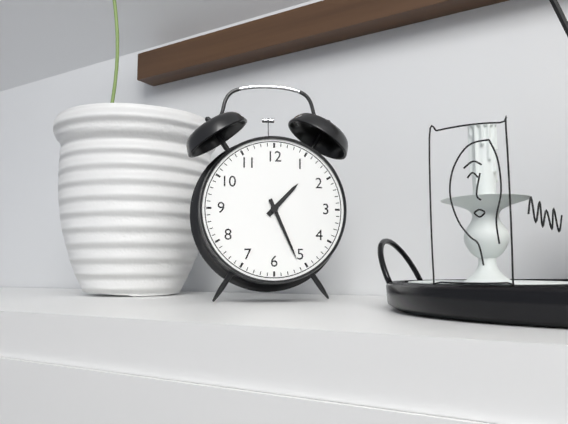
1:26
